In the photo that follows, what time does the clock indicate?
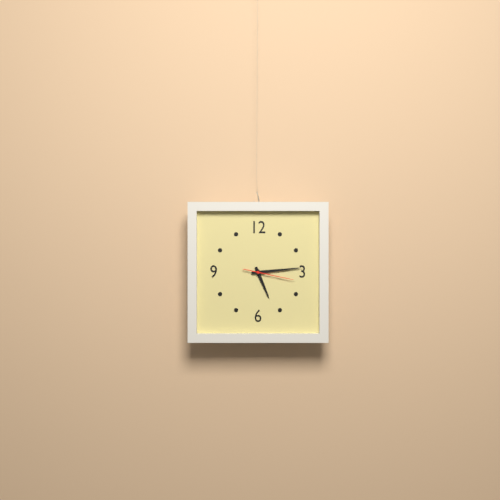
5:14
